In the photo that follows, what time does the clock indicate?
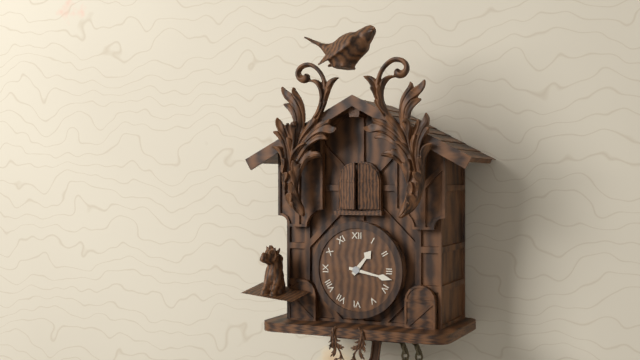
1:17
